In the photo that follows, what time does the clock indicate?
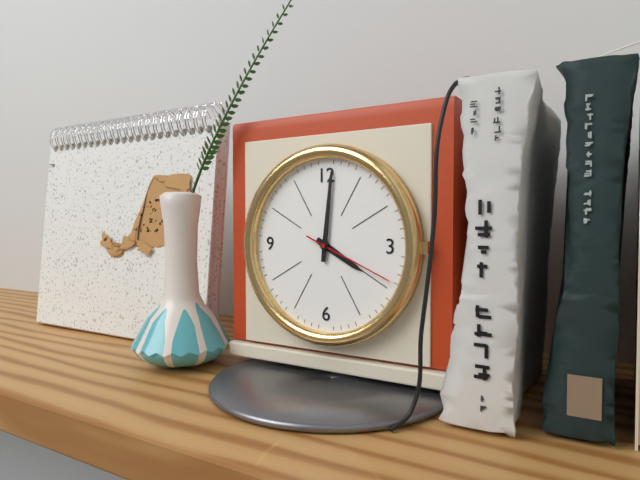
4:01:19
